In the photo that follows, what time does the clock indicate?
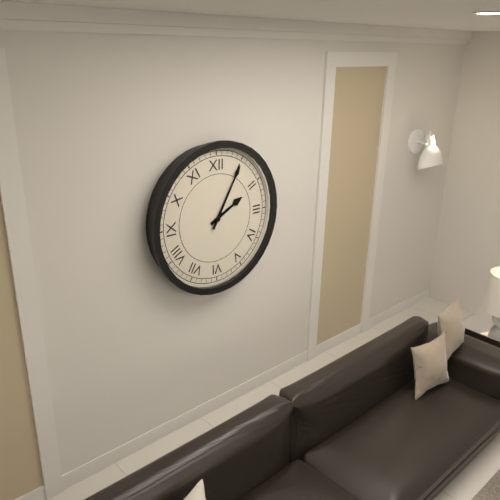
2:05
